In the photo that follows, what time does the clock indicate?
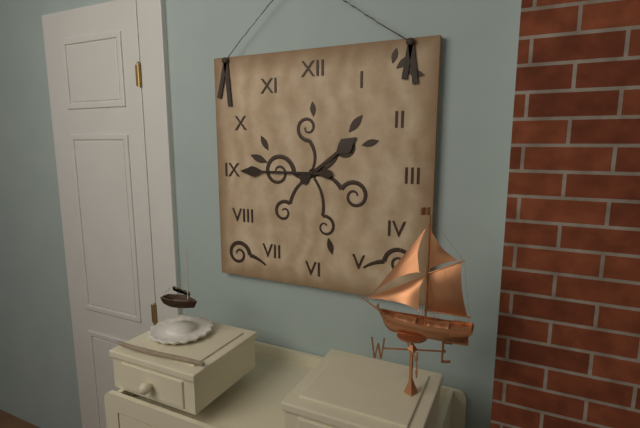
1:45
